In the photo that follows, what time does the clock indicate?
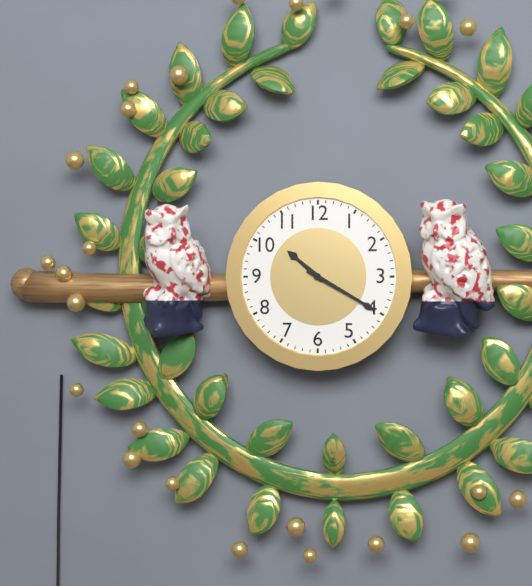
10:20
